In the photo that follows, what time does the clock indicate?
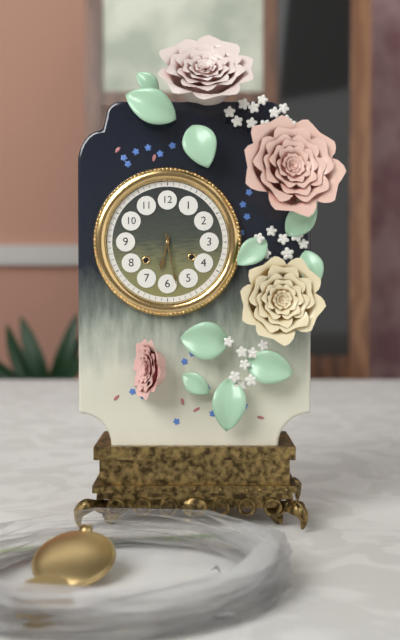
6:28
